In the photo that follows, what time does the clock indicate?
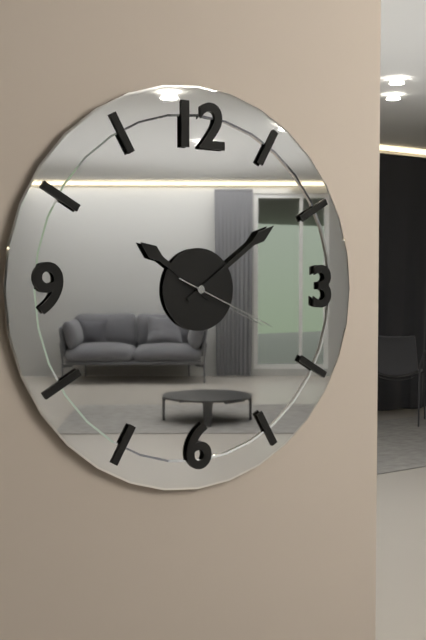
10:09:19
